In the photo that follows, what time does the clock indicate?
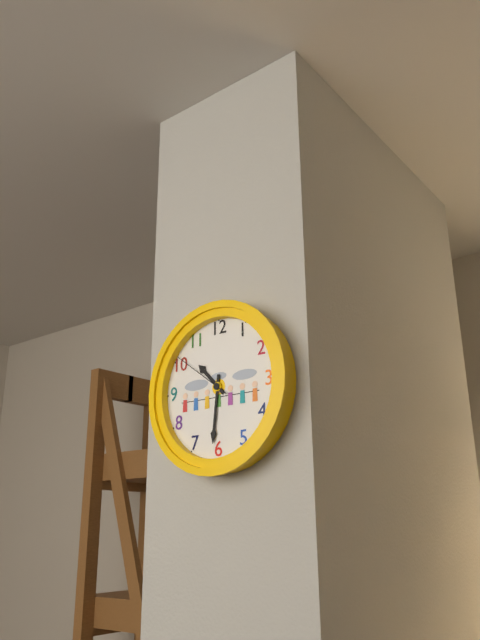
10:31:51
